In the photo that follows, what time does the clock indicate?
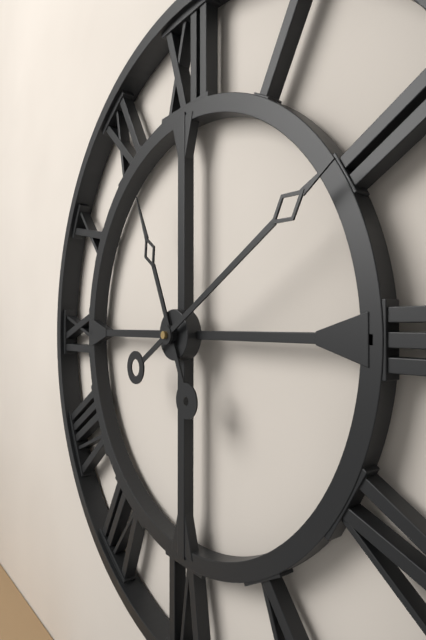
11:10
